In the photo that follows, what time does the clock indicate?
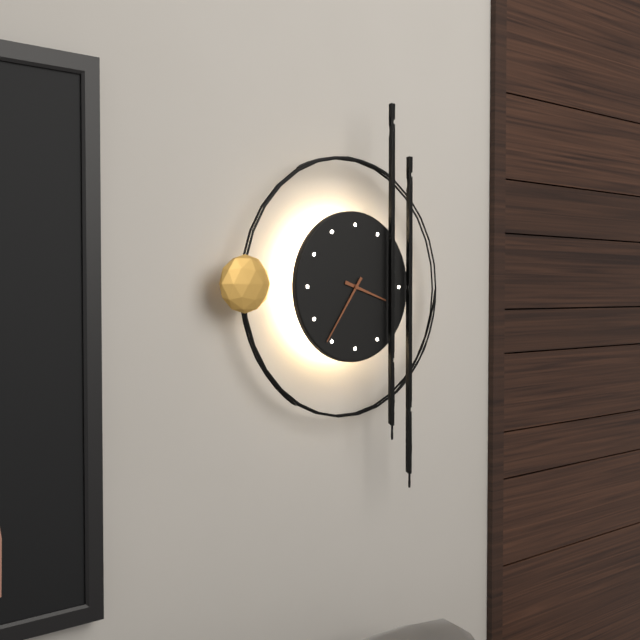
3:36
